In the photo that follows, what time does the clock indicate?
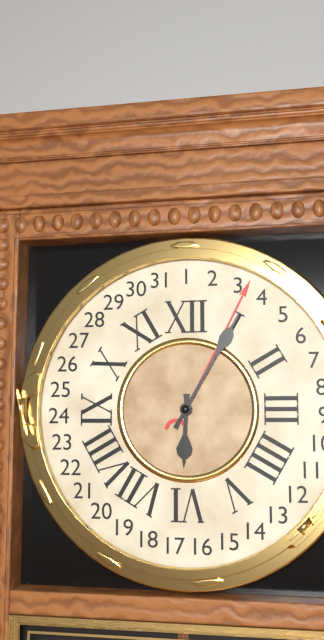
6:05
